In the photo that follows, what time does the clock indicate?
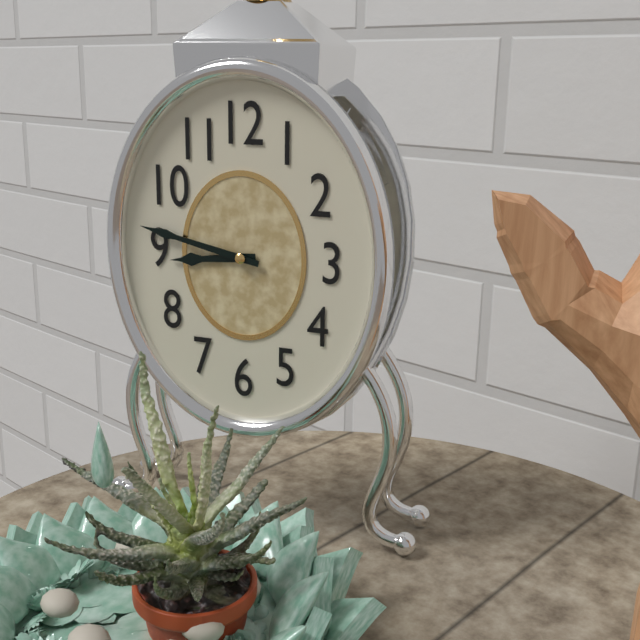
8:47
